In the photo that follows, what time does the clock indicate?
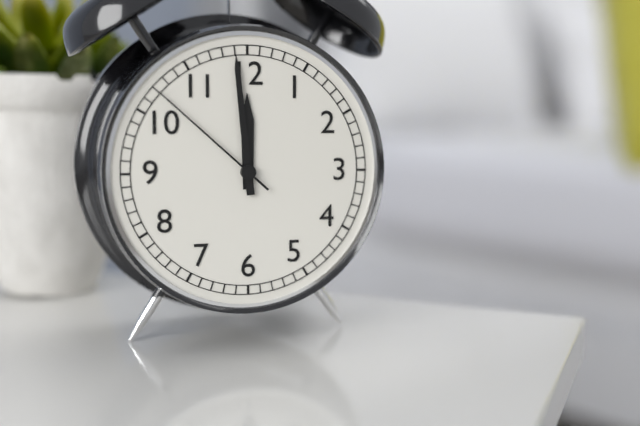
11:59:52
